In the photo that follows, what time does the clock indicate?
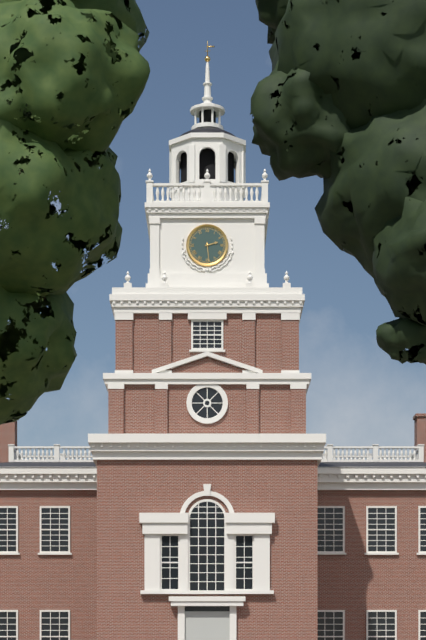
2:29
